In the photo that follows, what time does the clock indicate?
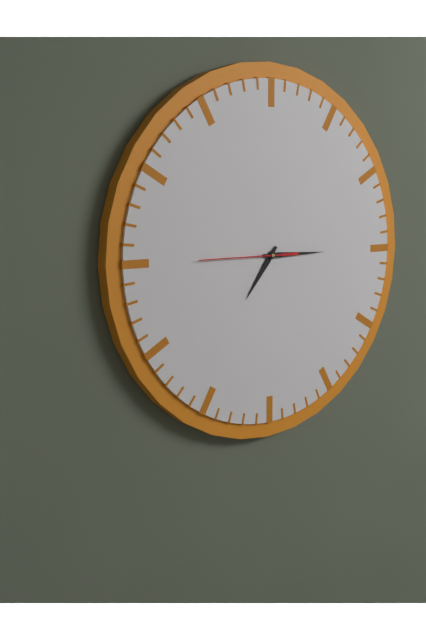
7:15:45
